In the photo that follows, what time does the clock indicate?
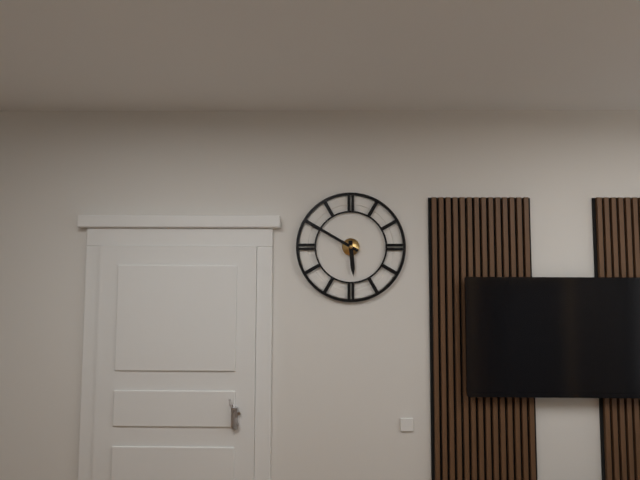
5:50
